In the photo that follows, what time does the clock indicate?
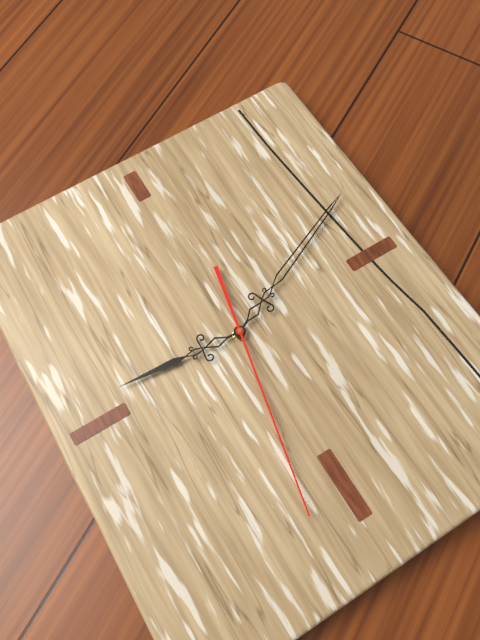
9:11:32
